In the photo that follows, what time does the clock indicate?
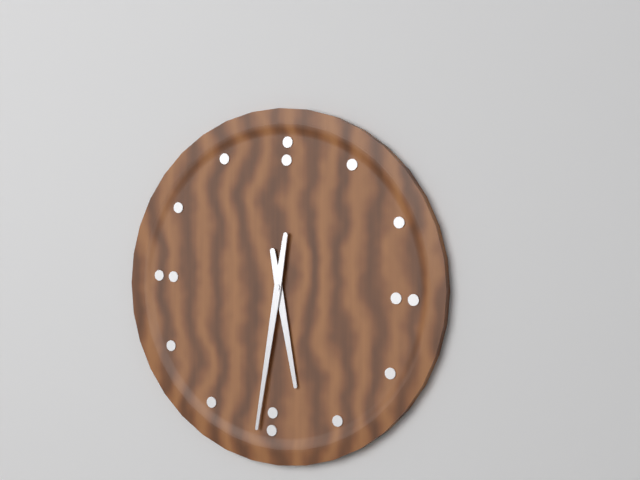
5:31
